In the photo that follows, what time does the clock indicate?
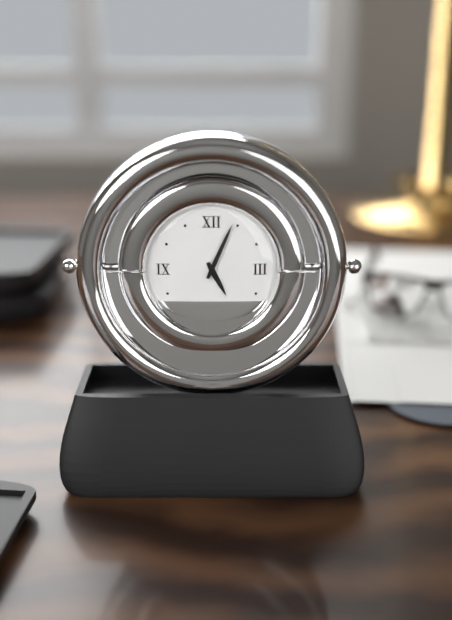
5:04
